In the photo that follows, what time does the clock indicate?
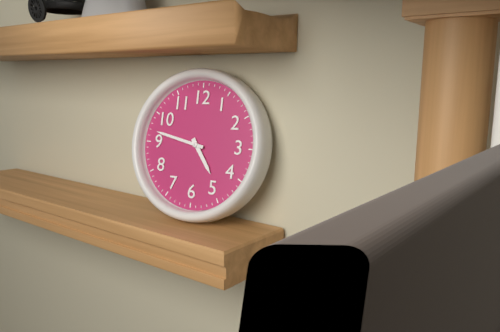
4:47
